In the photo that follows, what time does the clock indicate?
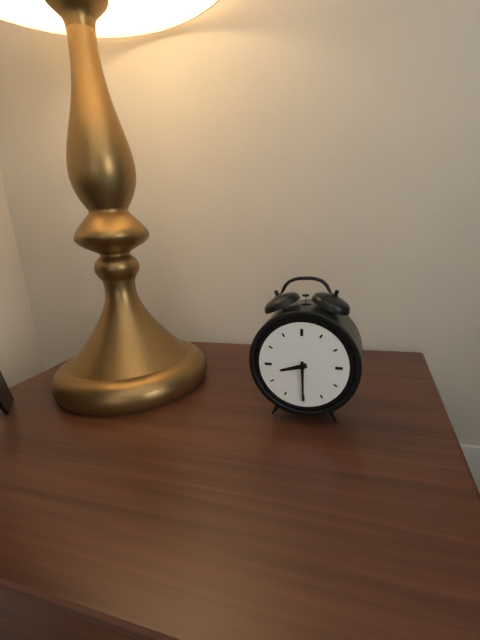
8:30
